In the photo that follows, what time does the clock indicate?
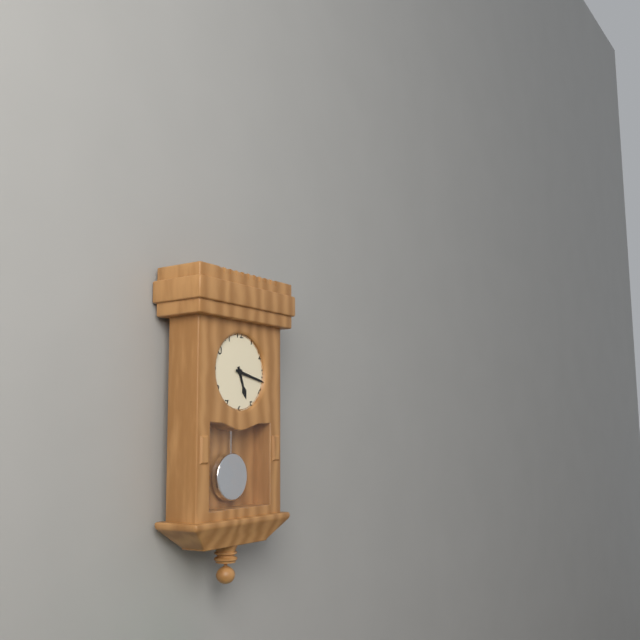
5:17
